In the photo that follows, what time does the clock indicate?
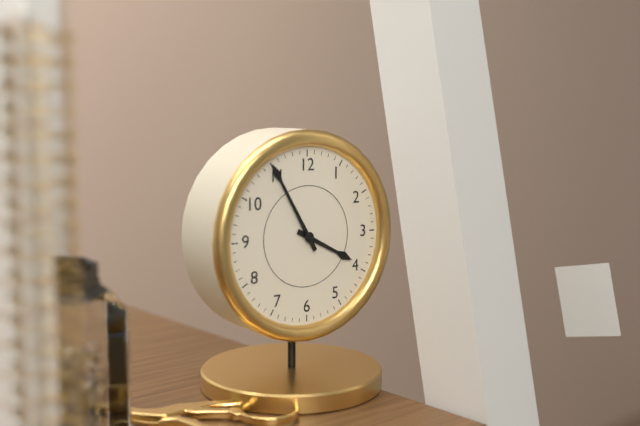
3:55
